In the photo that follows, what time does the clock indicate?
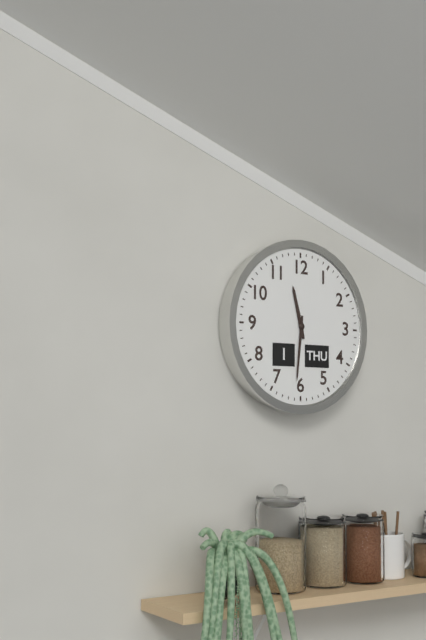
11:31
